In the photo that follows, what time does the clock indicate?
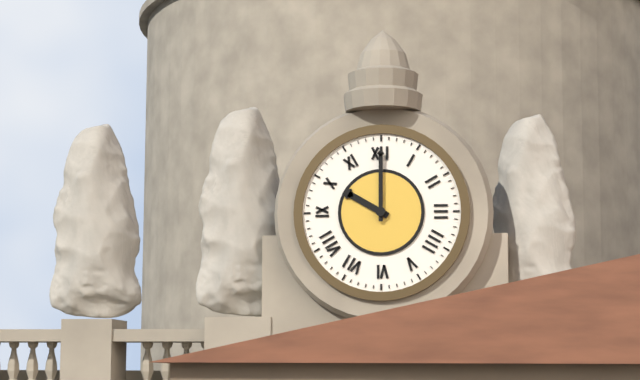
10:00
